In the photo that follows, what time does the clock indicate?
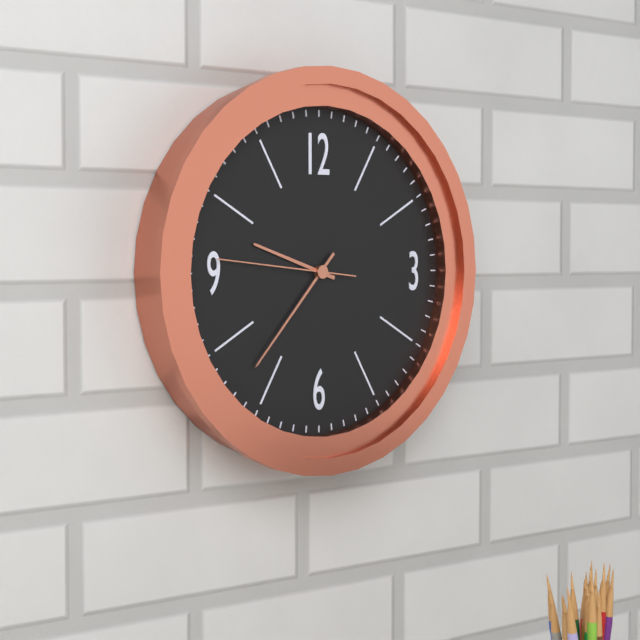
9:37:46
